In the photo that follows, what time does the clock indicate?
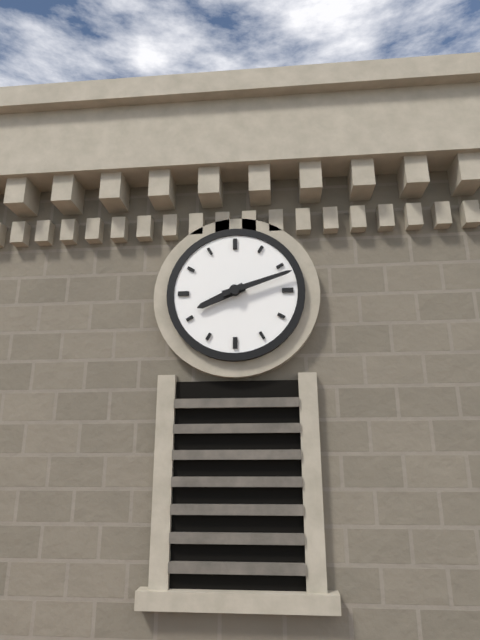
8:12
